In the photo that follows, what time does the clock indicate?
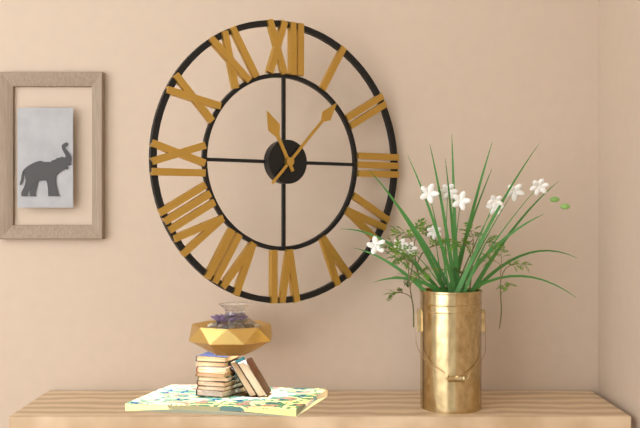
11:07
